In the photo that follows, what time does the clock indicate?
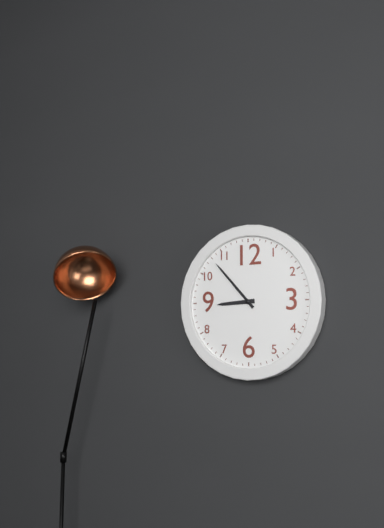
8:53
